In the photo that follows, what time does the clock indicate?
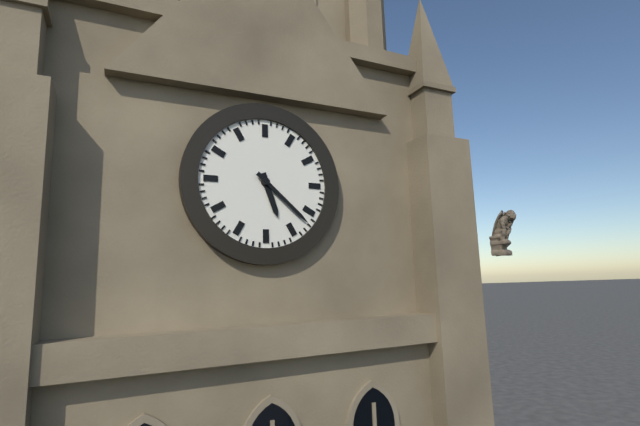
5:22
